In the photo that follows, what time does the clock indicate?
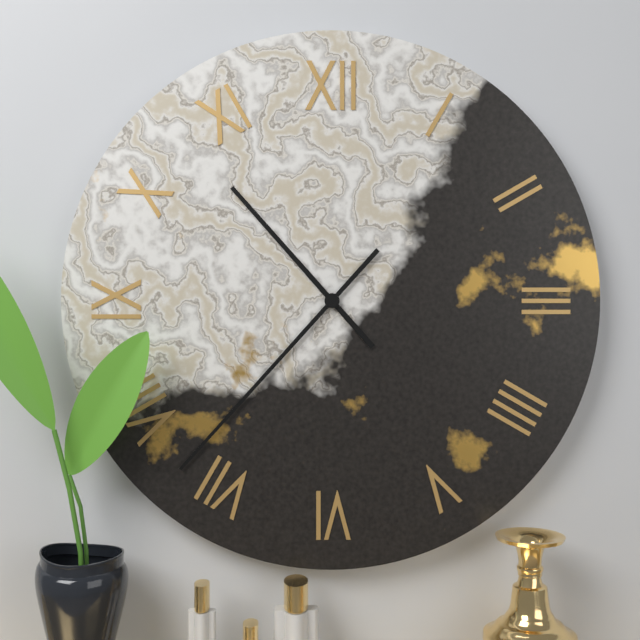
10:37
